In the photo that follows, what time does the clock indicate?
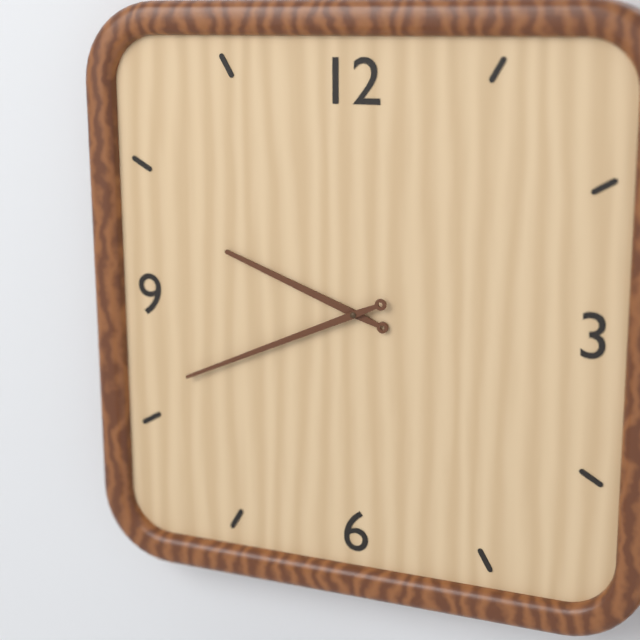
9:41
